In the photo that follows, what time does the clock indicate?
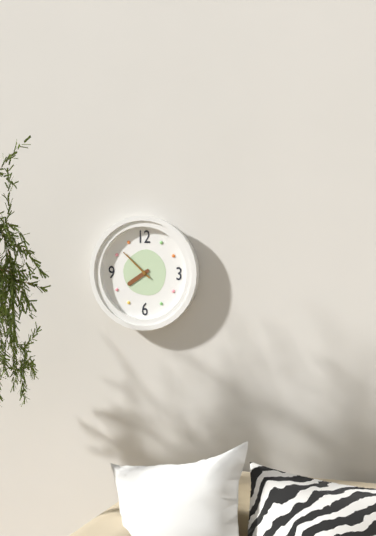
7:52
